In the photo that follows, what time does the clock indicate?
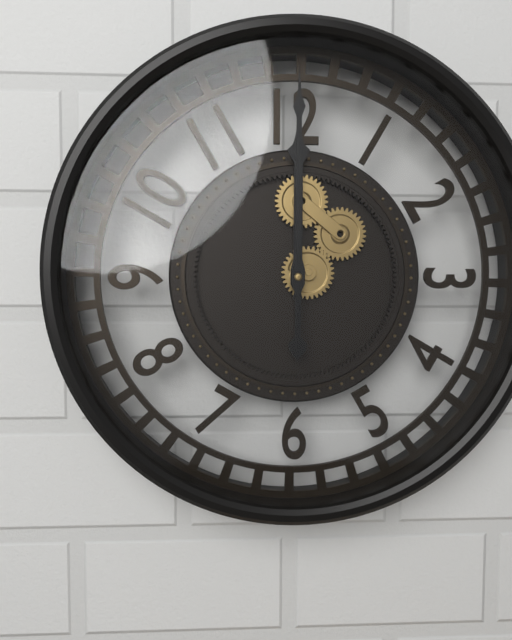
12:00
